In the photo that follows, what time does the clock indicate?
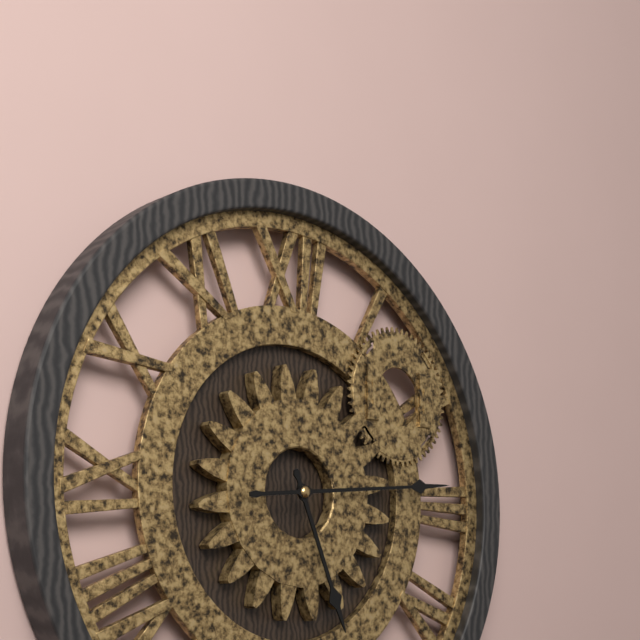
5:14
